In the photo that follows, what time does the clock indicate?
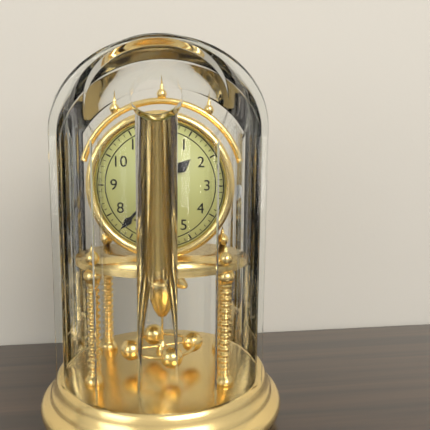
1:37
